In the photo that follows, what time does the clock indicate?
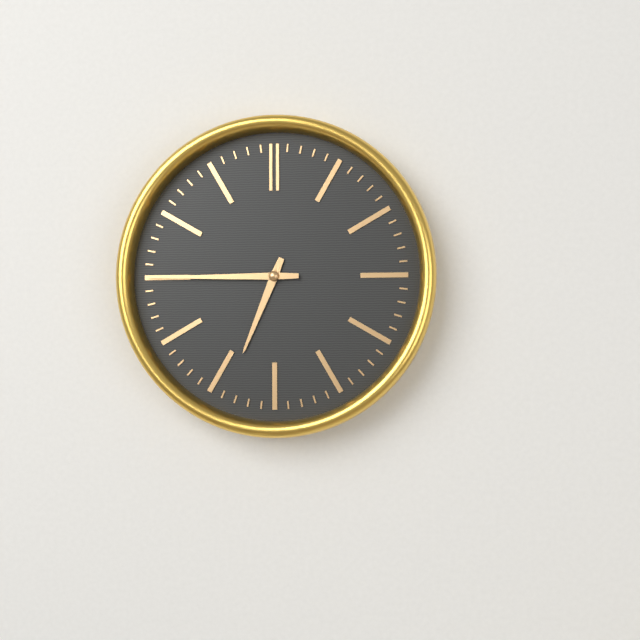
6:45
